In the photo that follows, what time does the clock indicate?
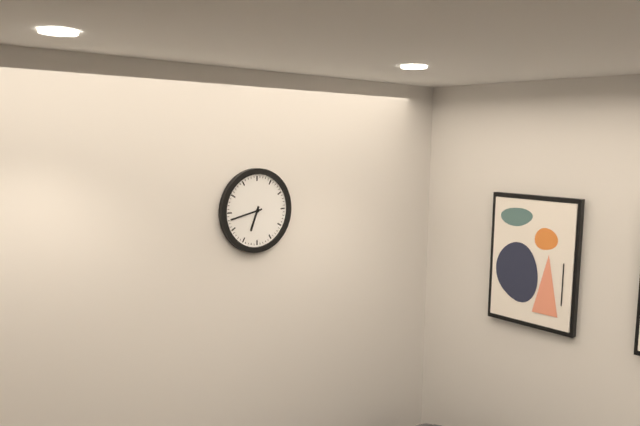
6:43
